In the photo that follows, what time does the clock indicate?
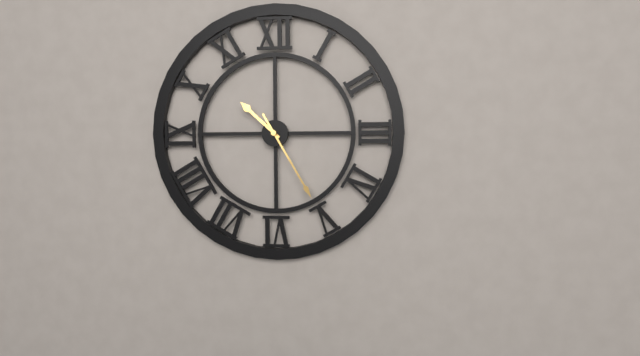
10:25
